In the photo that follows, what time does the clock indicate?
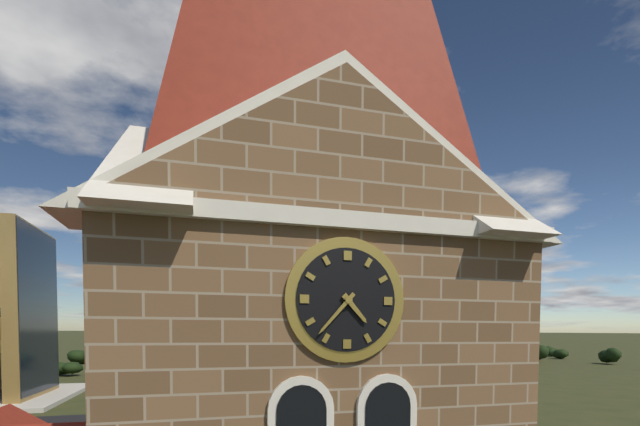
4:37
